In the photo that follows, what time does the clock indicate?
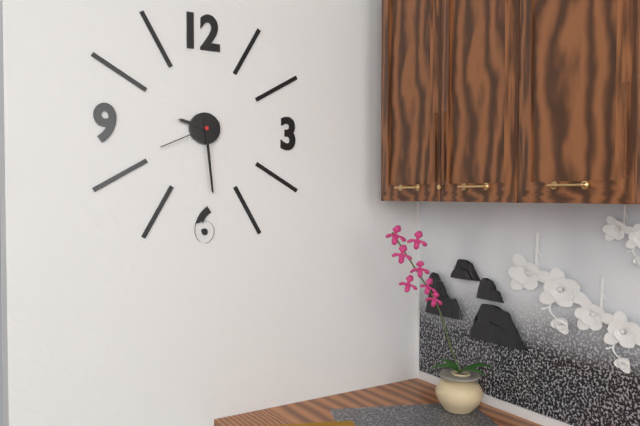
9:29:41
